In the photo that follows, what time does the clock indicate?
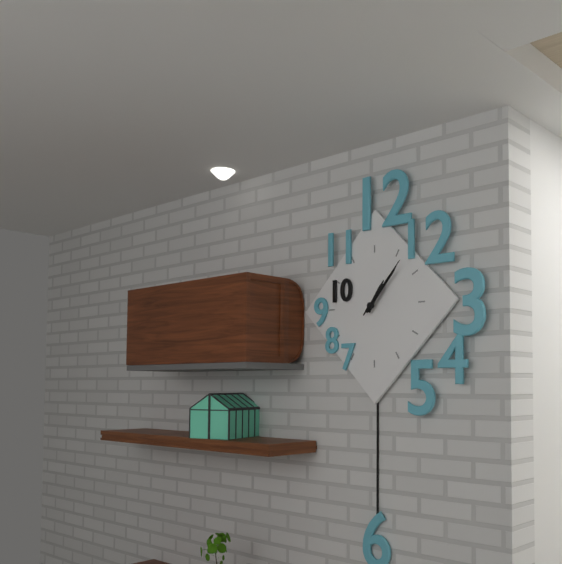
1:07:07
